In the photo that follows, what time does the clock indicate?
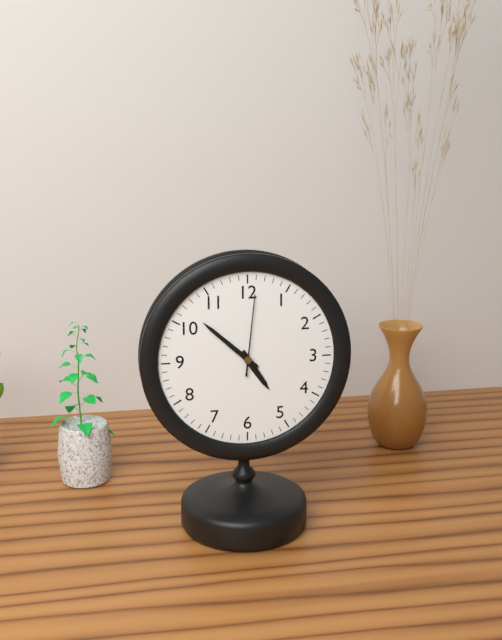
4:52:01
